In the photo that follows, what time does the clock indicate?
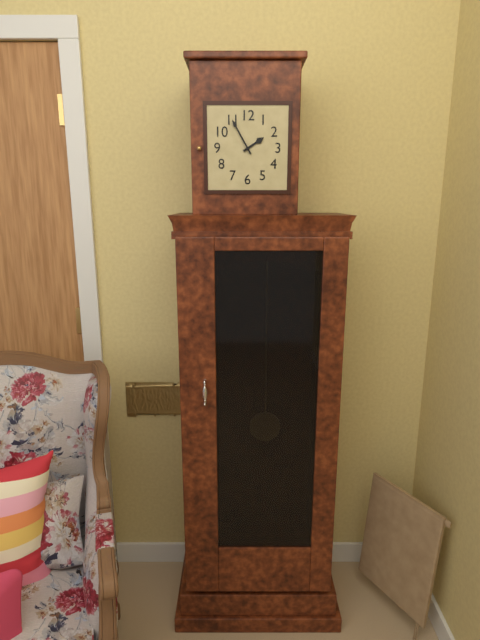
1:55
